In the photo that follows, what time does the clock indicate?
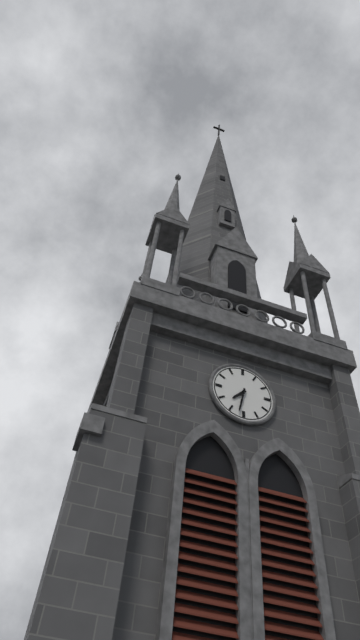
7:32
